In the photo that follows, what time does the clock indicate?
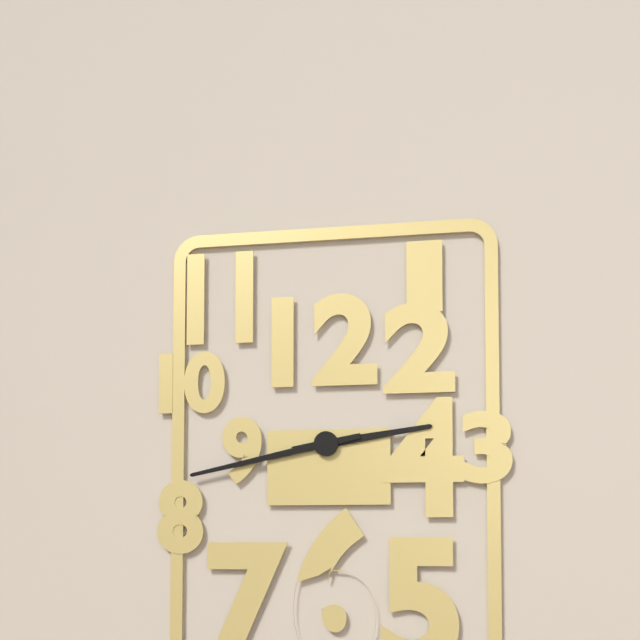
2:43
